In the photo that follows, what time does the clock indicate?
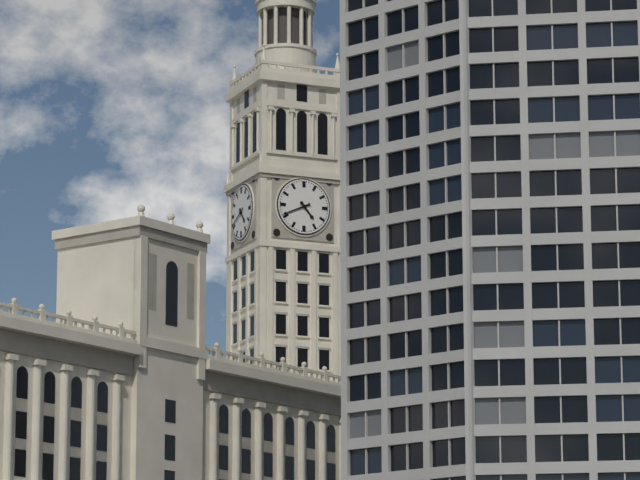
4:41
